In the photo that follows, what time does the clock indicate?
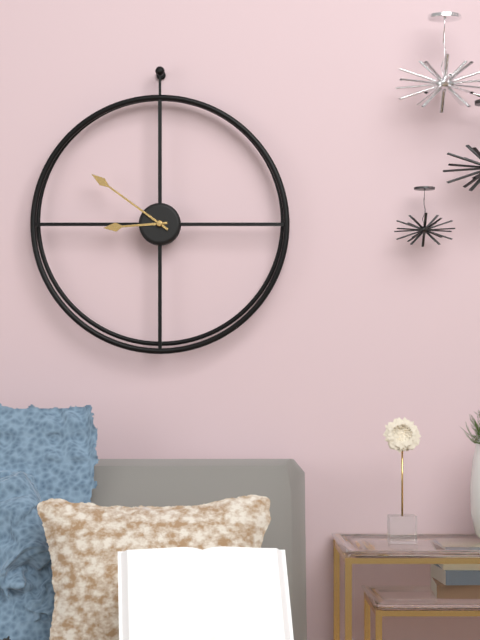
8:51
